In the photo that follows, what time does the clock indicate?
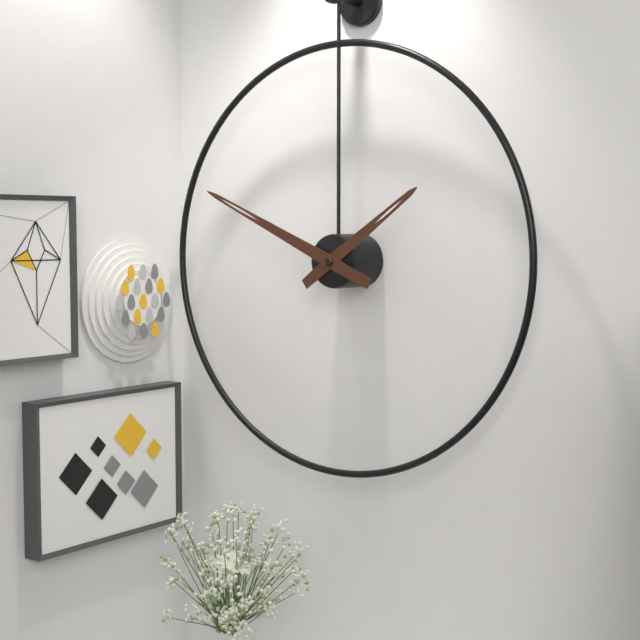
1:49
